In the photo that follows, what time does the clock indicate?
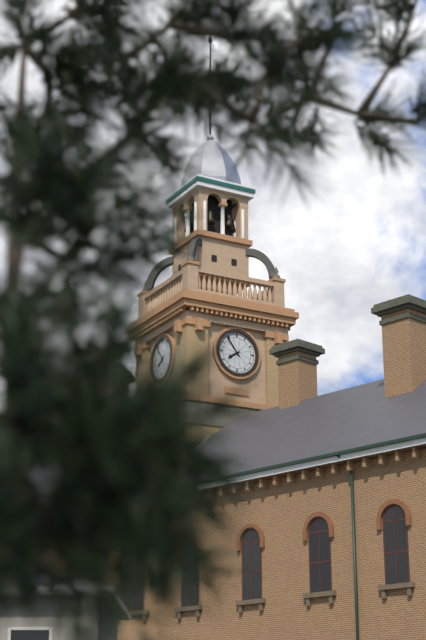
7:54
